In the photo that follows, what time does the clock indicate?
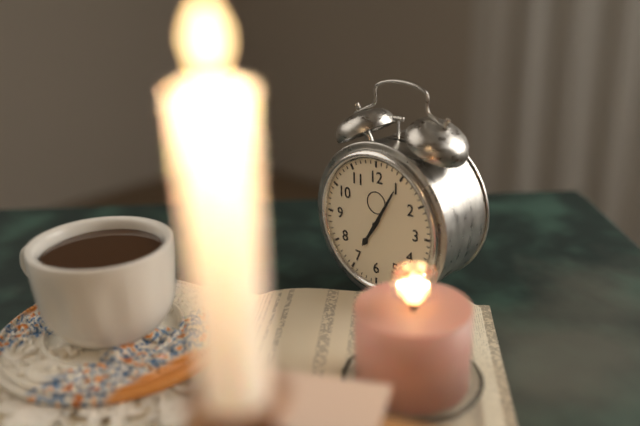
7:05
